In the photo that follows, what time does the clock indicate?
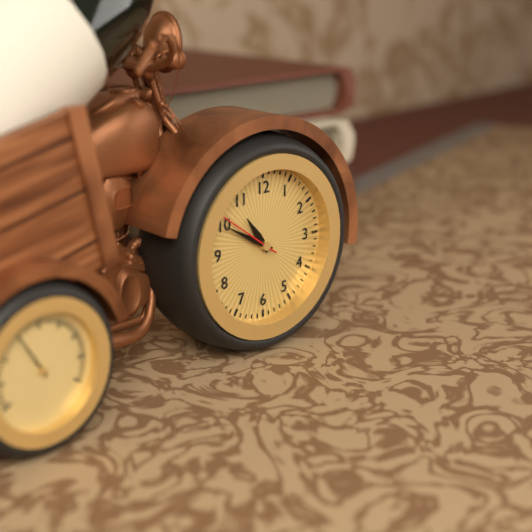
10:50:51
